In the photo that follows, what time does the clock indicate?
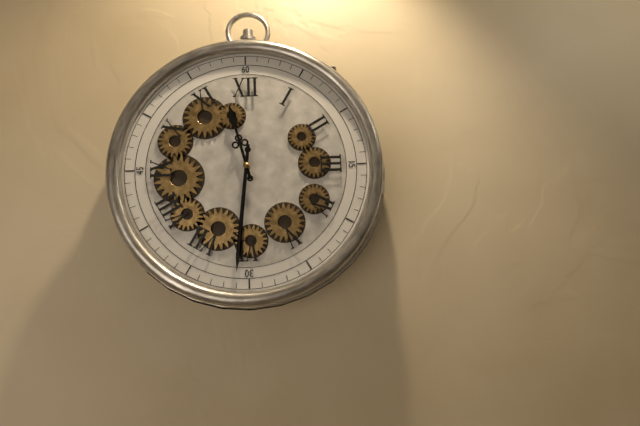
11:31
